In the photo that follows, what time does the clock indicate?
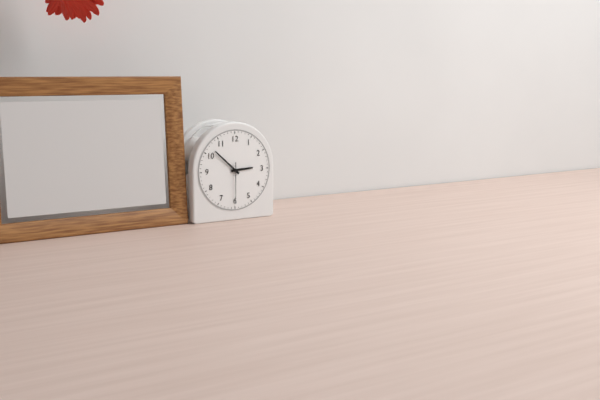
2:52
